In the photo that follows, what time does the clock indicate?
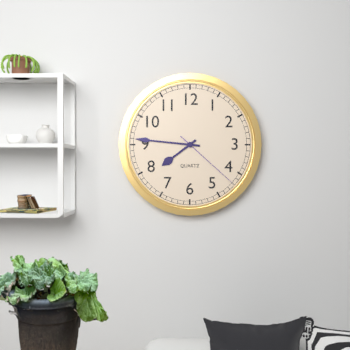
7:46:22
